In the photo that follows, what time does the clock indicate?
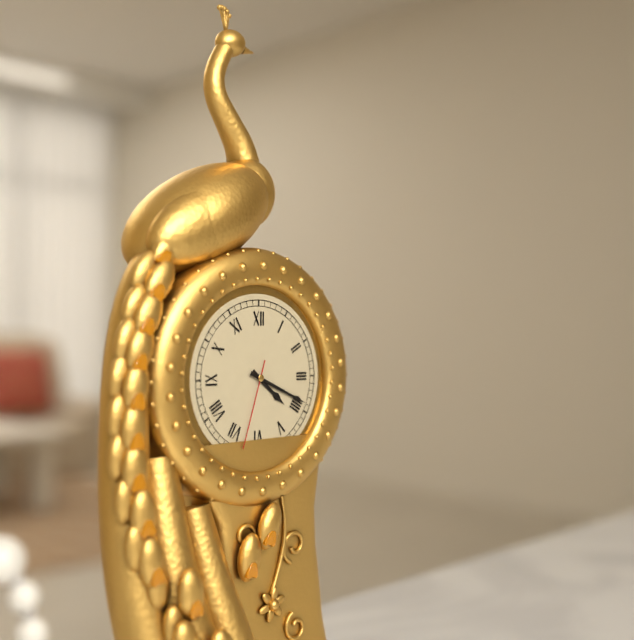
4:19:33
